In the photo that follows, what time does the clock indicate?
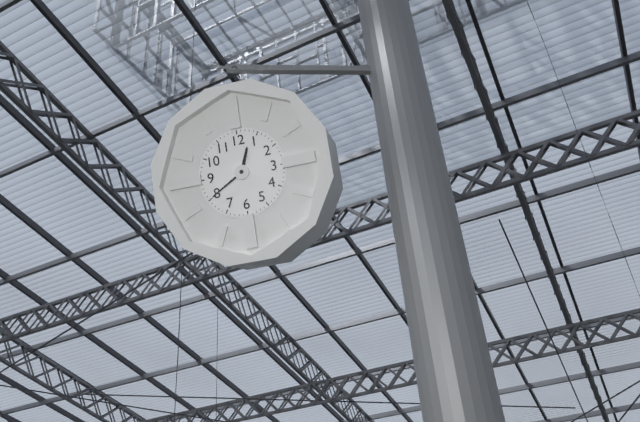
12:40
